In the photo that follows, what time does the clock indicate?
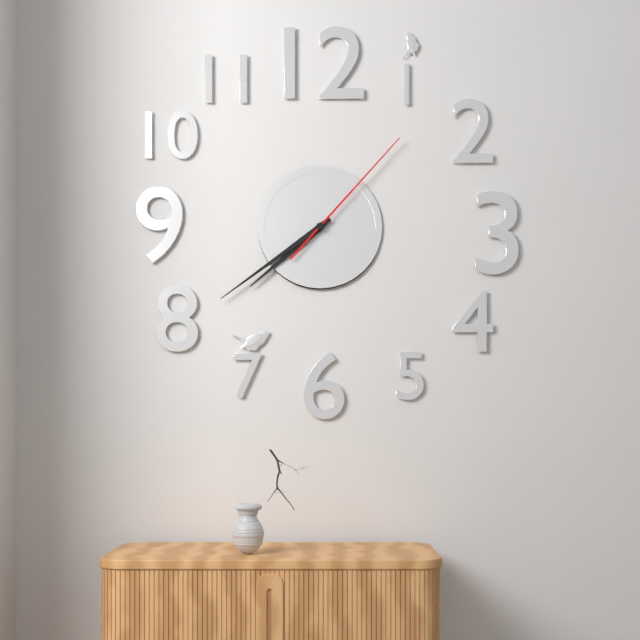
7:39:07
